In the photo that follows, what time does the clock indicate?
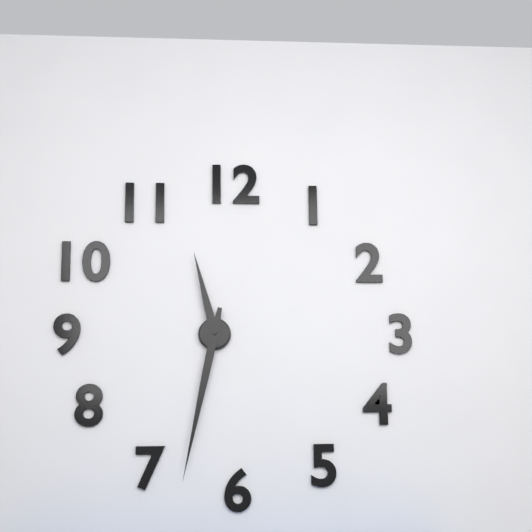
11:32
